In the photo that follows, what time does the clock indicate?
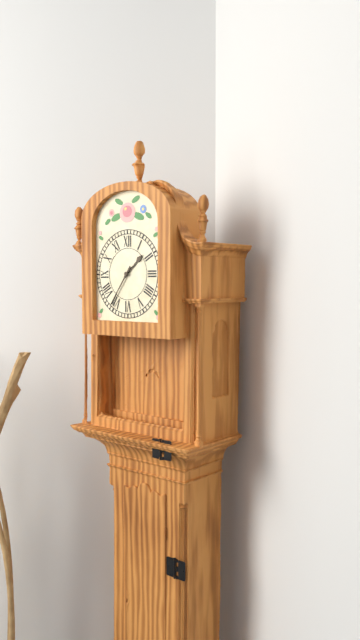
1:36
